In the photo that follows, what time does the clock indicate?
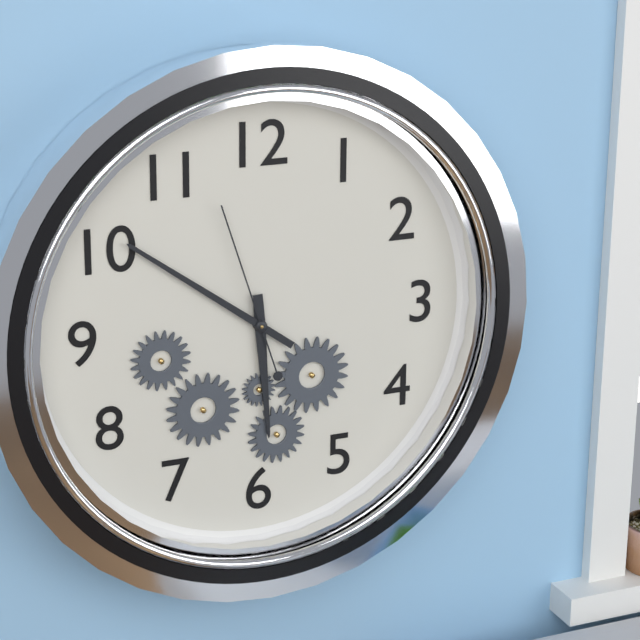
5:51:57
